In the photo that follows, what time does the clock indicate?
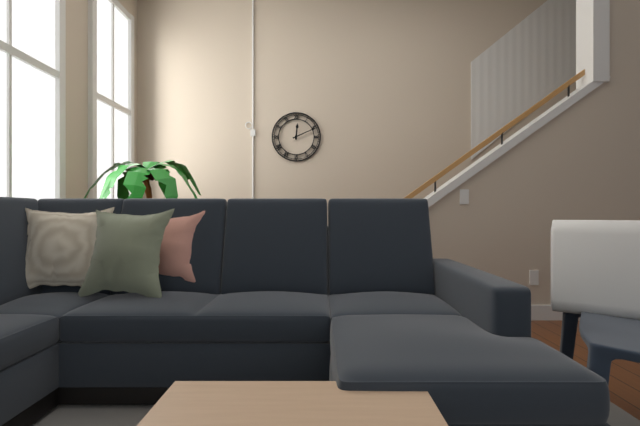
12:11
